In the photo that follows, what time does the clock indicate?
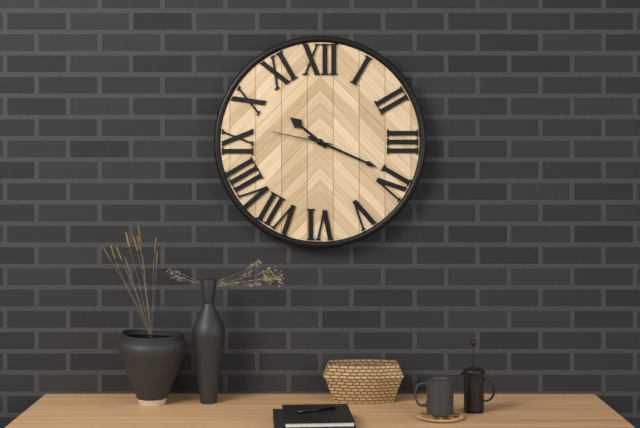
10:19:47
